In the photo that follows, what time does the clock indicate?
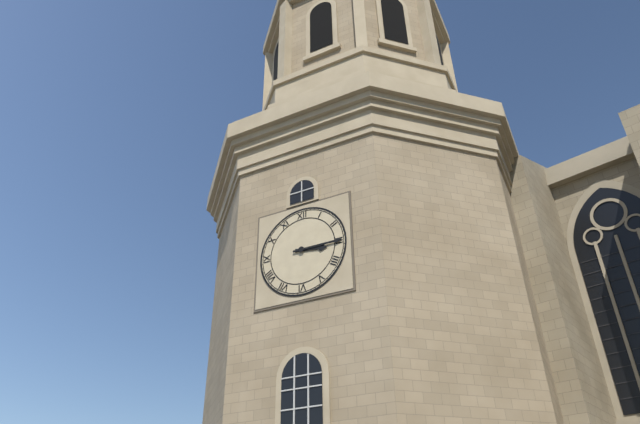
3:15
